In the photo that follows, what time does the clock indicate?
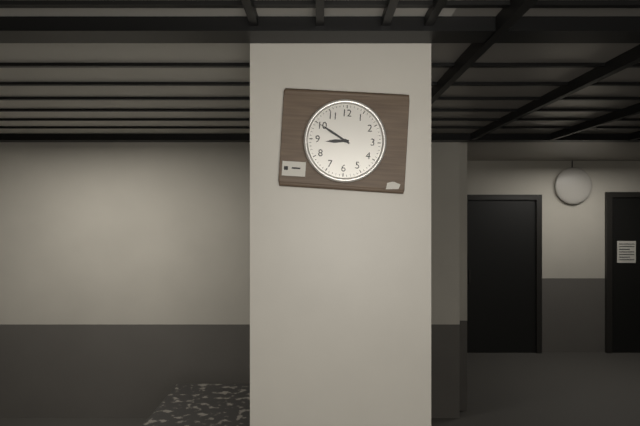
8:50
